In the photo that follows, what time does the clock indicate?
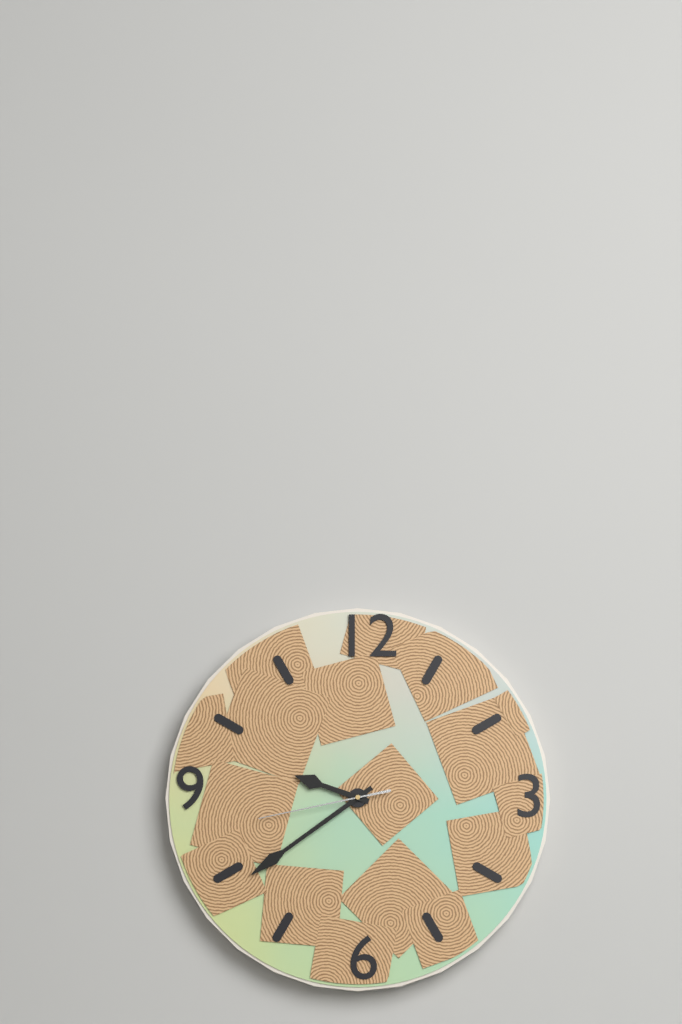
9:39:43
